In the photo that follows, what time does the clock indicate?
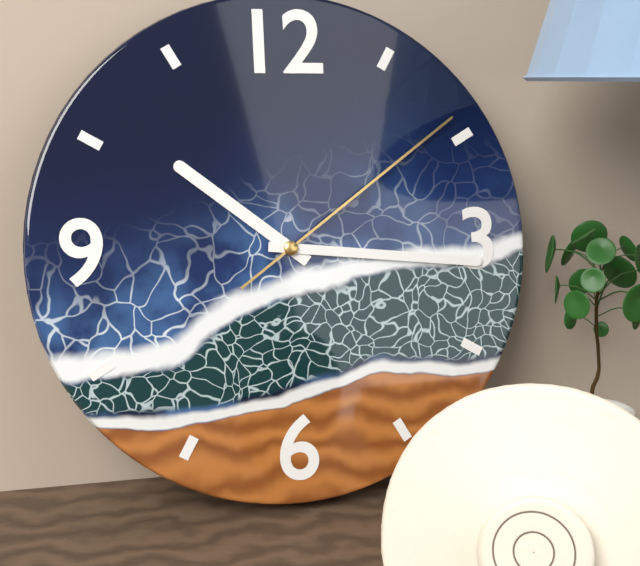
10:16:09
